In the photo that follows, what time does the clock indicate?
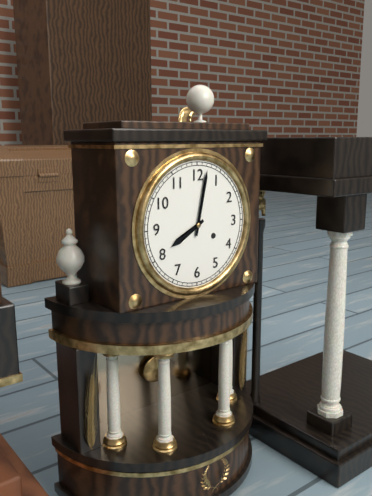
8:02
